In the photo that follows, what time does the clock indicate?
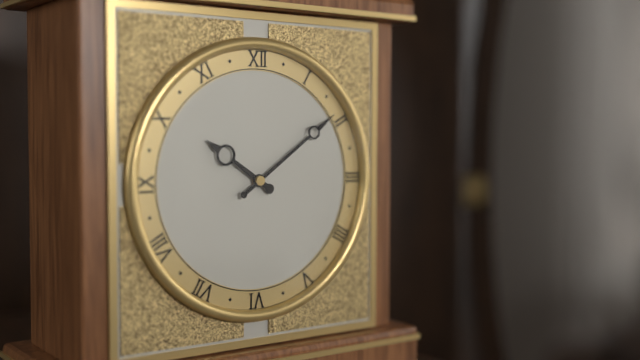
10:09
